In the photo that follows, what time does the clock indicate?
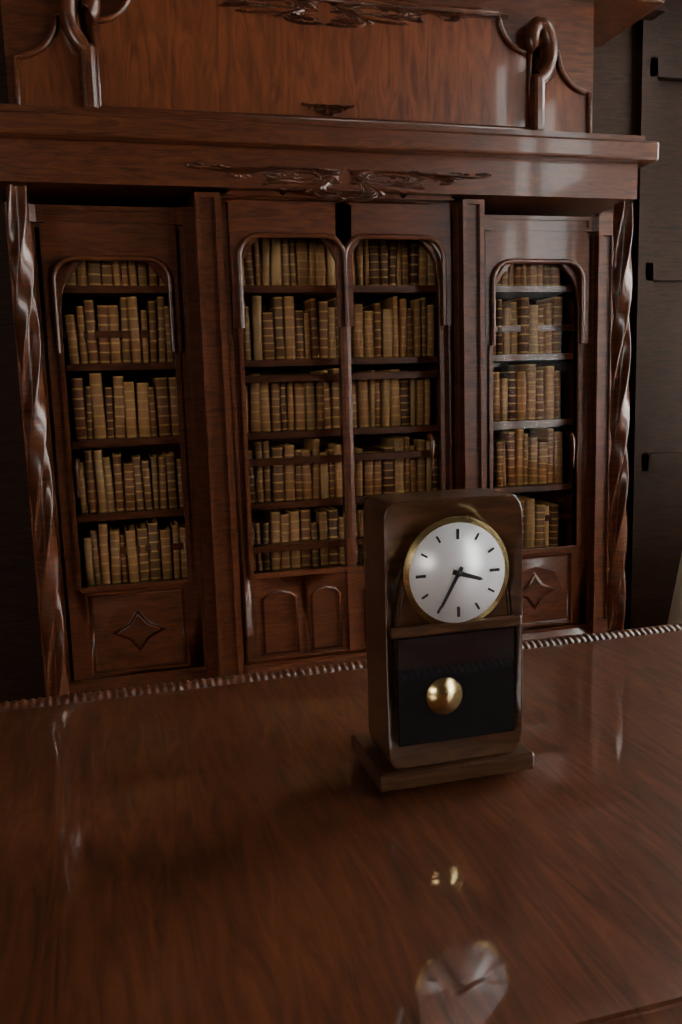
3:35
